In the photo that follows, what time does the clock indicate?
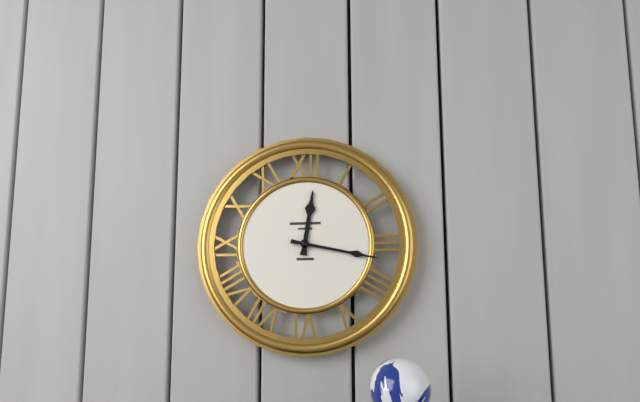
12:17
